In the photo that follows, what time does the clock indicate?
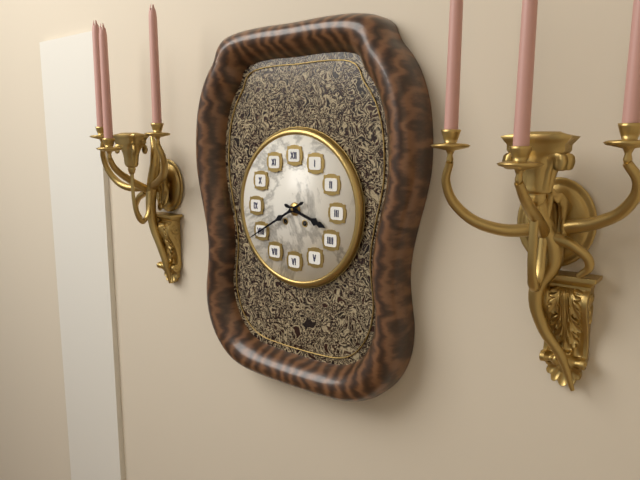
3:40
